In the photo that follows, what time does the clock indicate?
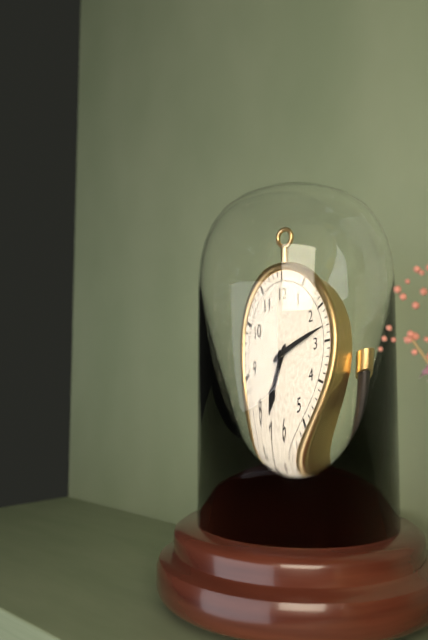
7:13
